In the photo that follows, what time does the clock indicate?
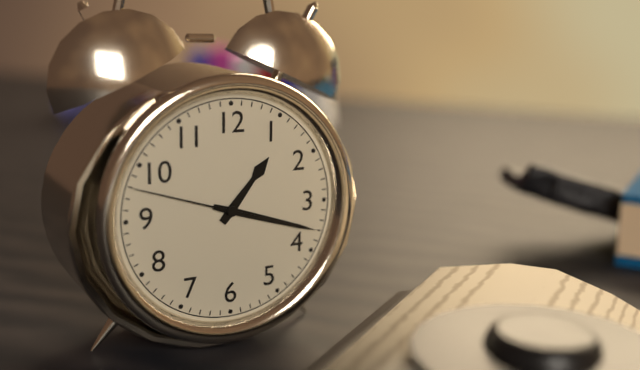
1:18:48
